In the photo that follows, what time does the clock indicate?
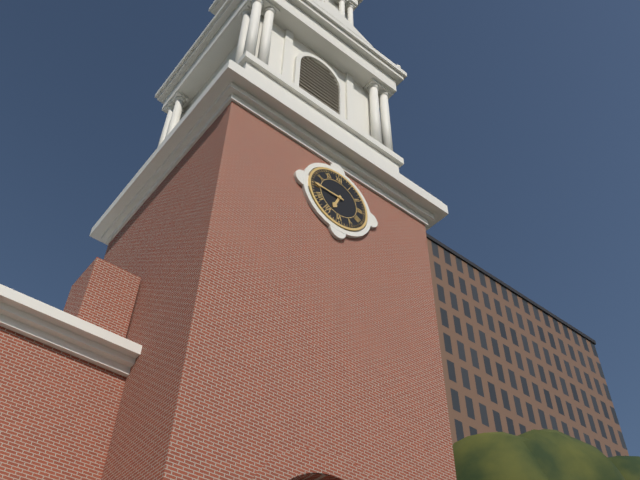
6:45
